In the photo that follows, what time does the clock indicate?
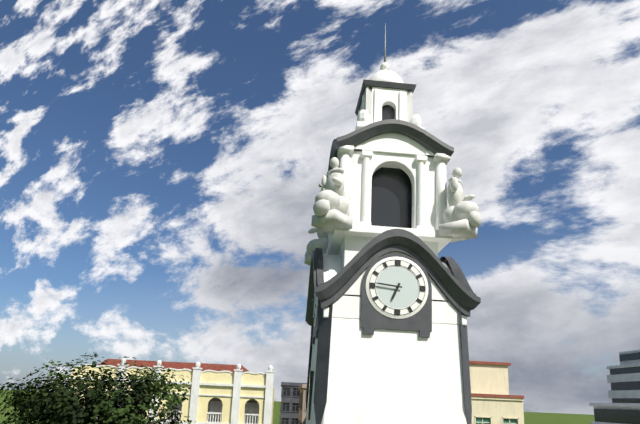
6:46
